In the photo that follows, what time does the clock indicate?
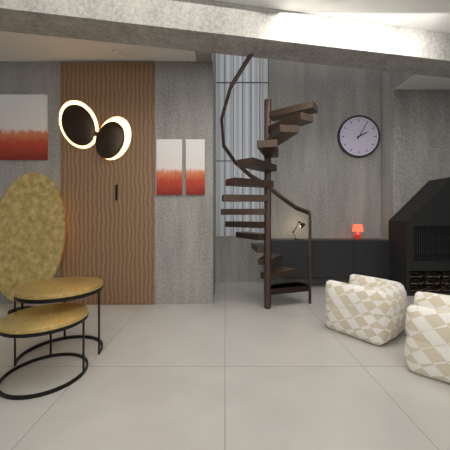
2:05
